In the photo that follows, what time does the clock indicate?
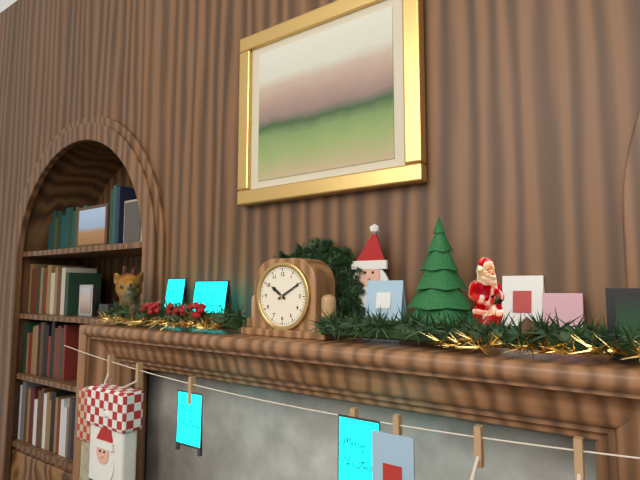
10:10
